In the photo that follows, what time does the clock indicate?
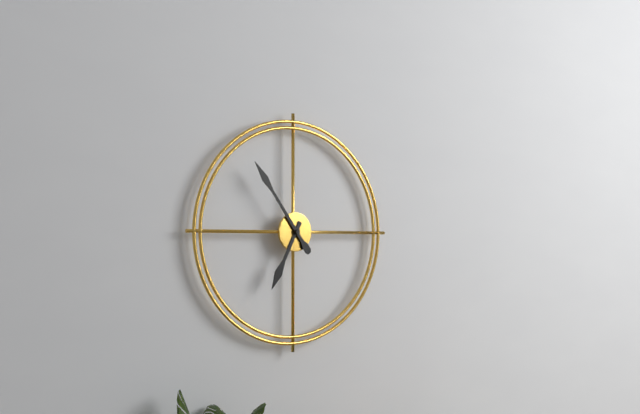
6:54
